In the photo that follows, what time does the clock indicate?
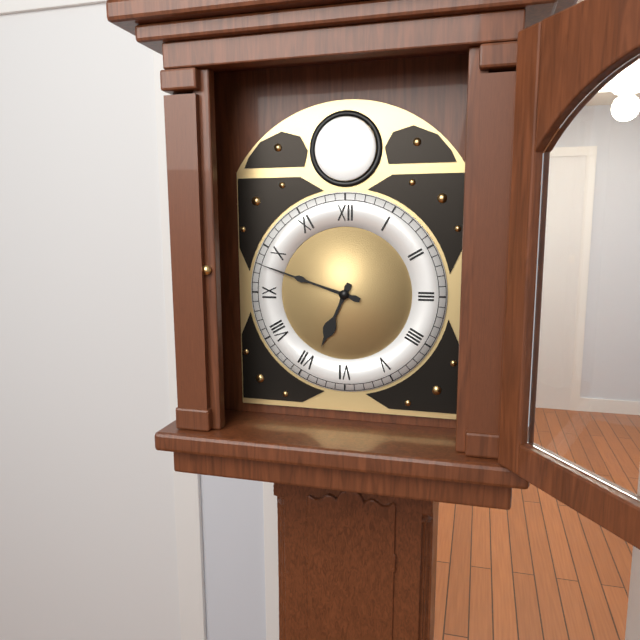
6:48
